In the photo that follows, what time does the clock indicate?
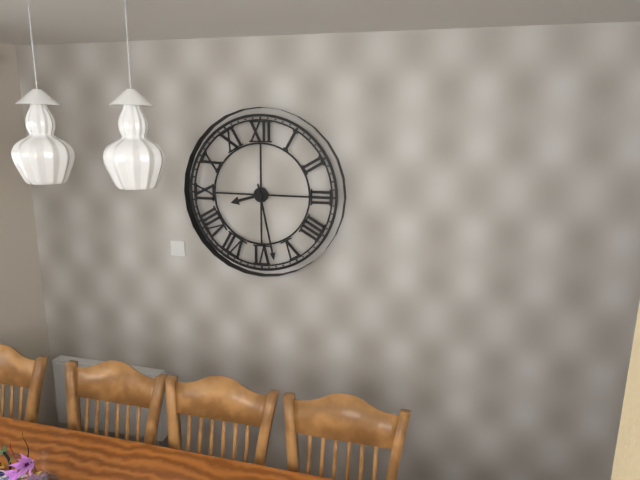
8:28
